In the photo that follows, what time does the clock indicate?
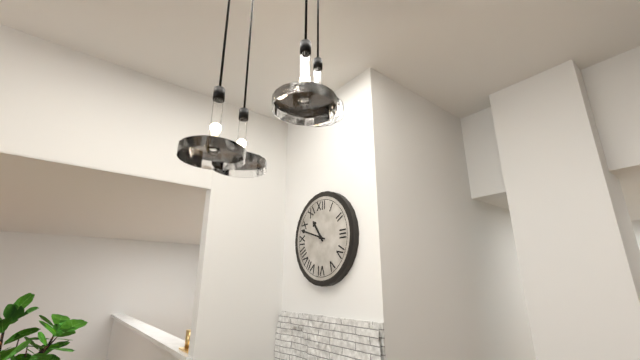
10:48
